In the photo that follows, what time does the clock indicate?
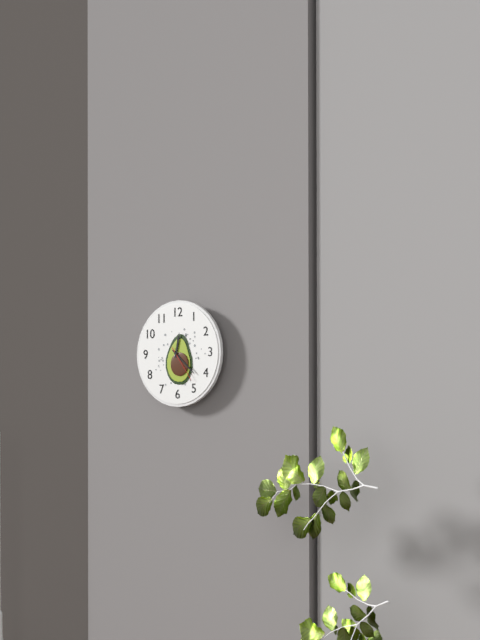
12:22
